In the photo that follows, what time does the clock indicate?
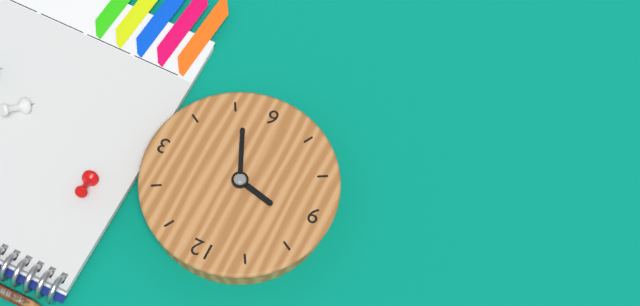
9:26
